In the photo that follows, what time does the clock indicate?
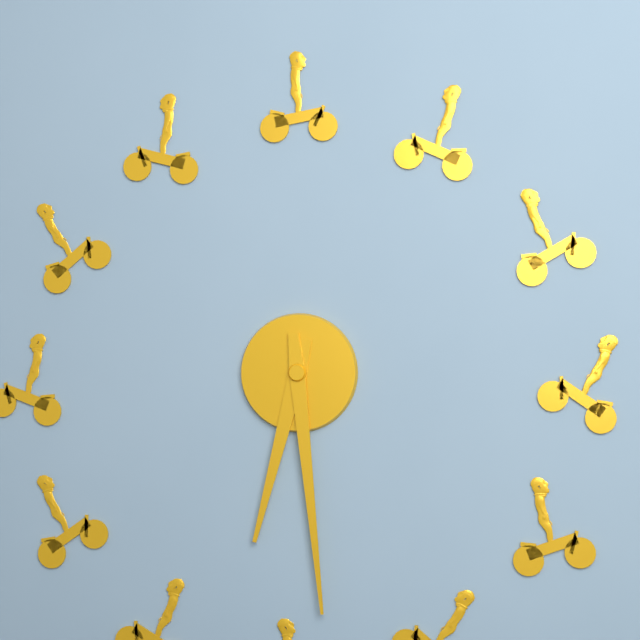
6:29
